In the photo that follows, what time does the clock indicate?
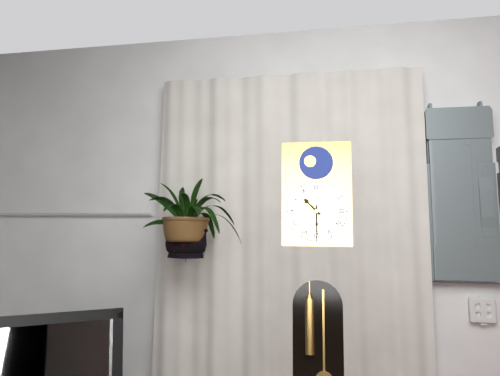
10:30
